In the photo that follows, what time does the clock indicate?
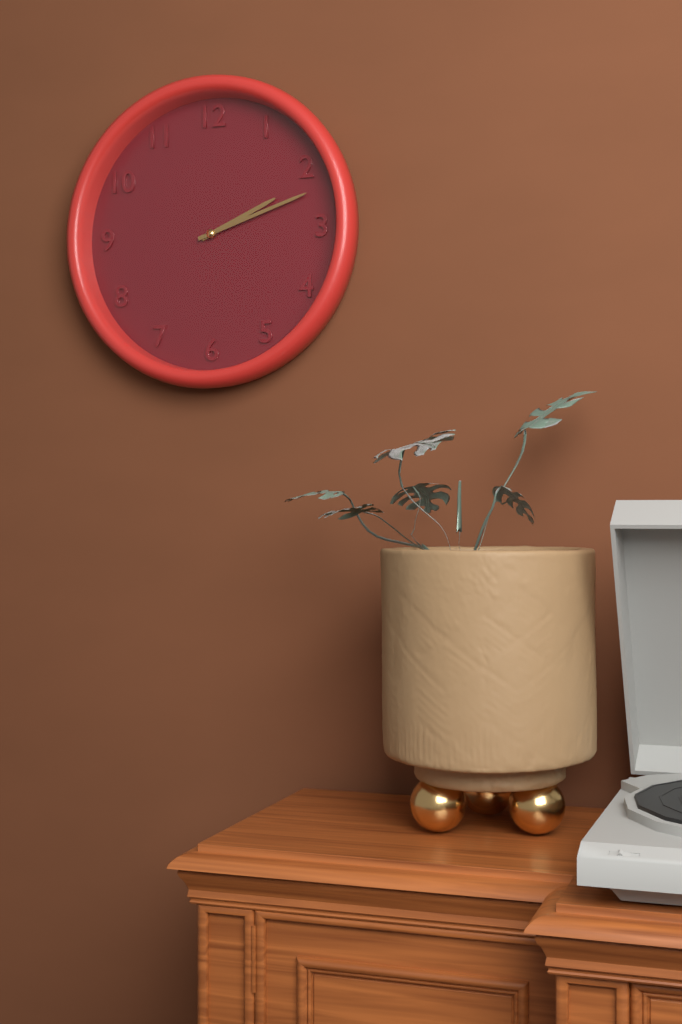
2:12
